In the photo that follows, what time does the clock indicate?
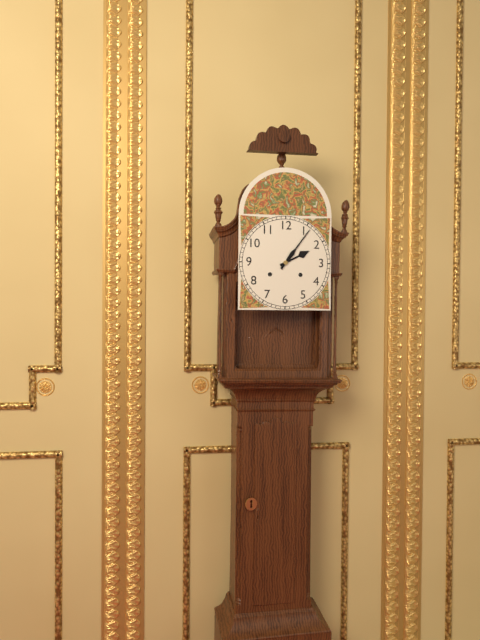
2:06
